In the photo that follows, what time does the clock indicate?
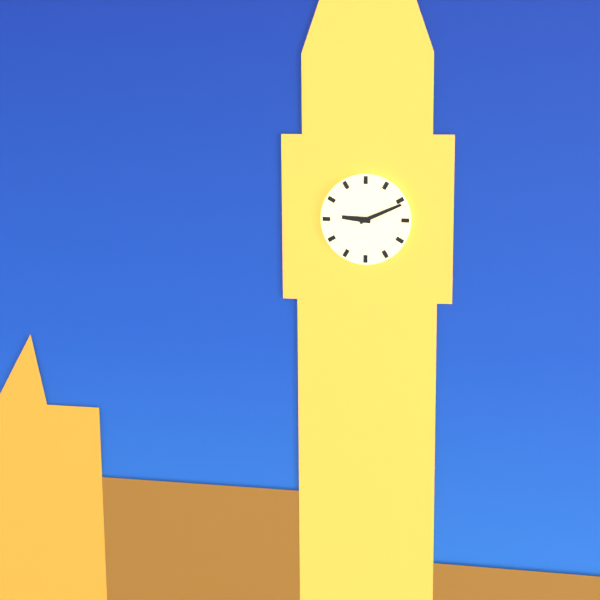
9:11
